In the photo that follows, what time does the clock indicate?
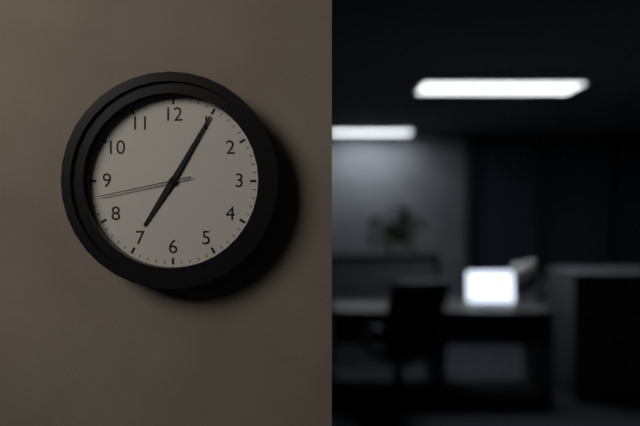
7:05:43
